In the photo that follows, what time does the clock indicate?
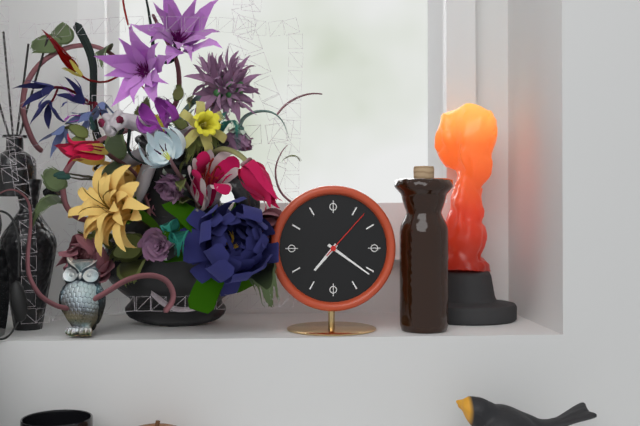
7:21:07
